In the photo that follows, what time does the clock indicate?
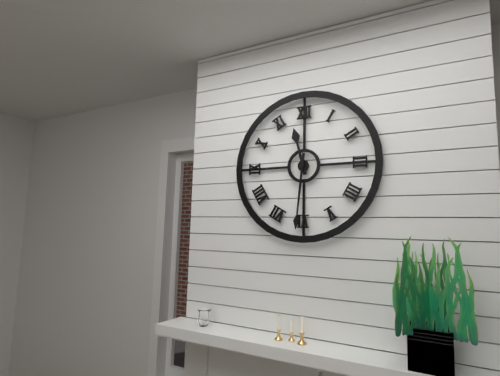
11:31
